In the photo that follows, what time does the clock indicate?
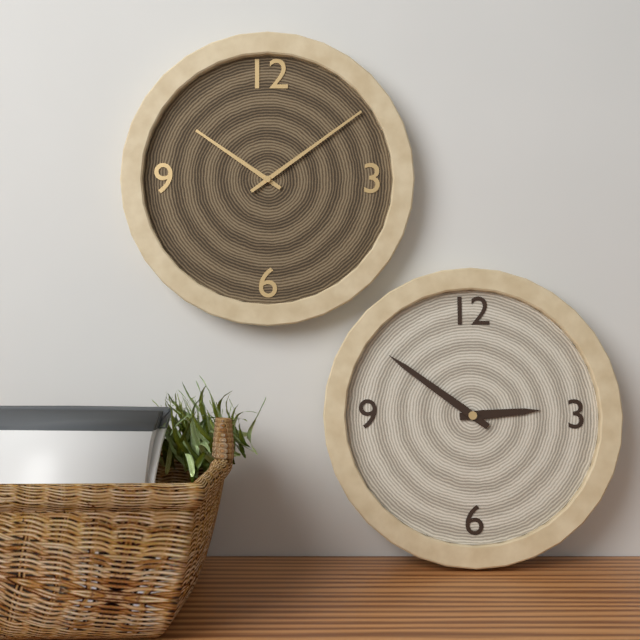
2:51
